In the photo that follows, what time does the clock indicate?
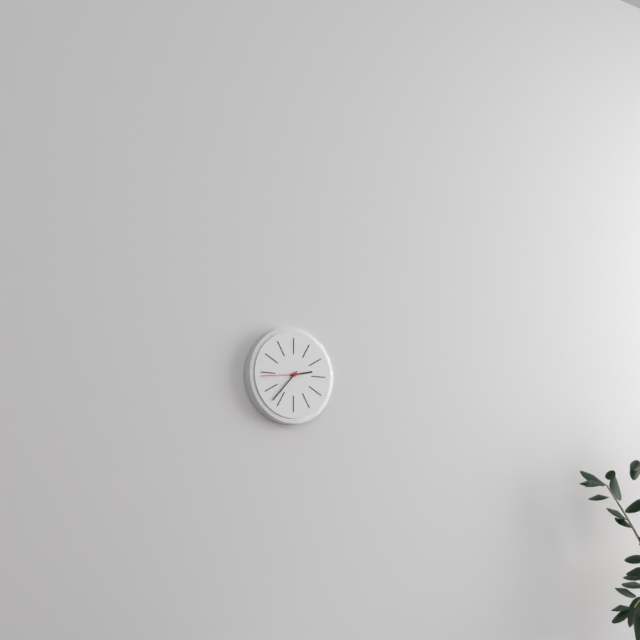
2:37
